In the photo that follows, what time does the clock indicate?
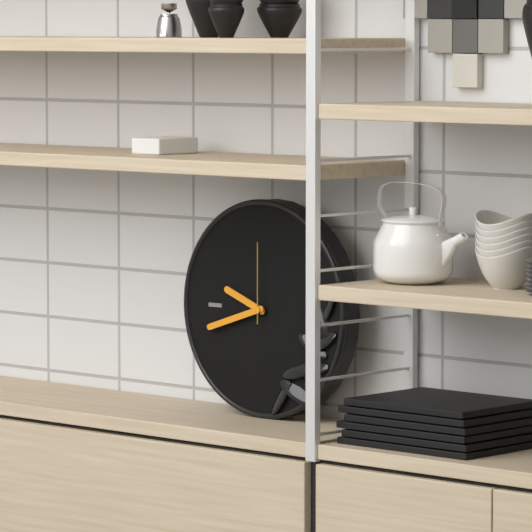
9:42:00
